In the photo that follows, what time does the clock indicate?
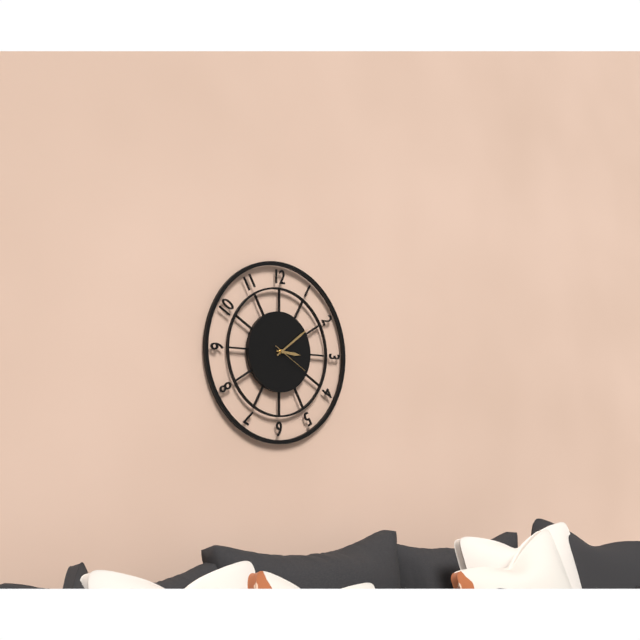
3:09
